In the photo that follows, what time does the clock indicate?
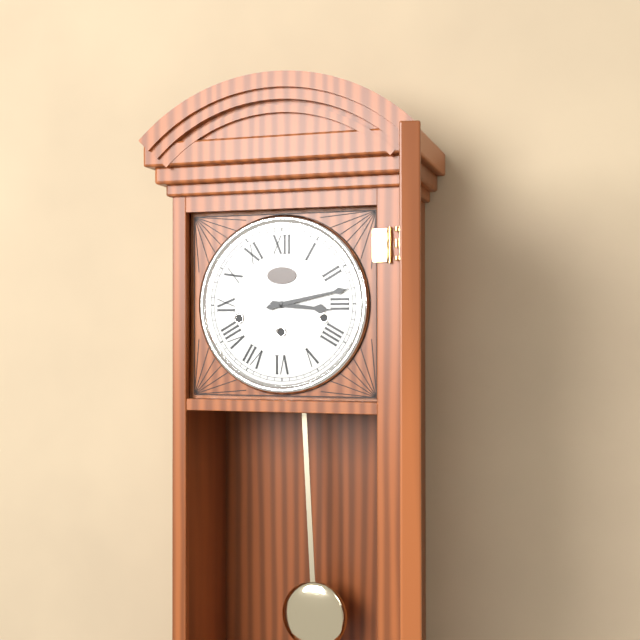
3:13
